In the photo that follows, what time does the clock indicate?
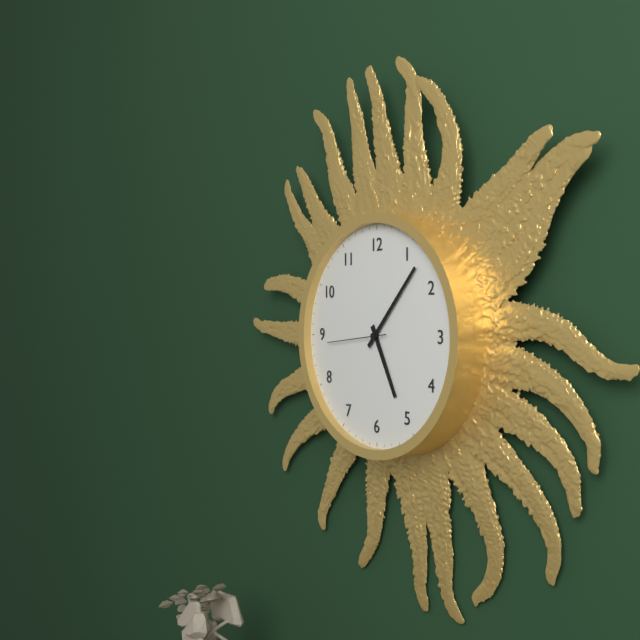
5:07:44
